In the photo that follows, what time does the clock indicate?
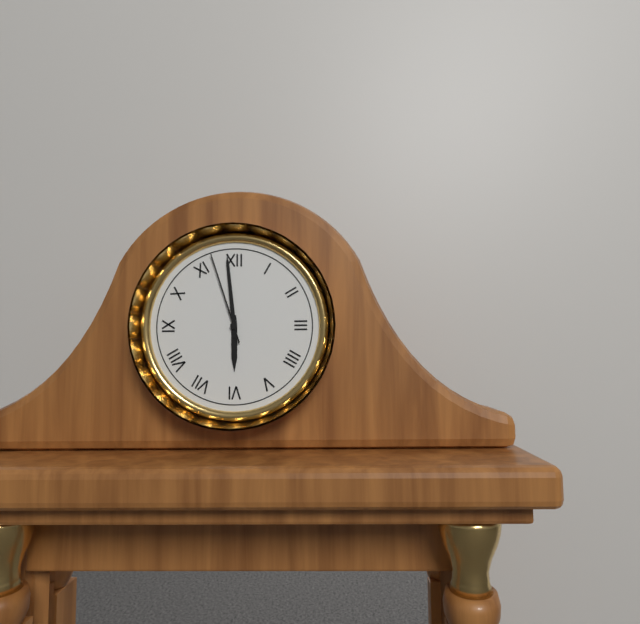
5:59:57
